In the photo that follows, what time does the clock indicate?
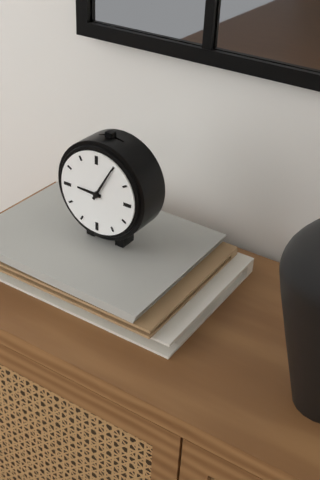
9:05
